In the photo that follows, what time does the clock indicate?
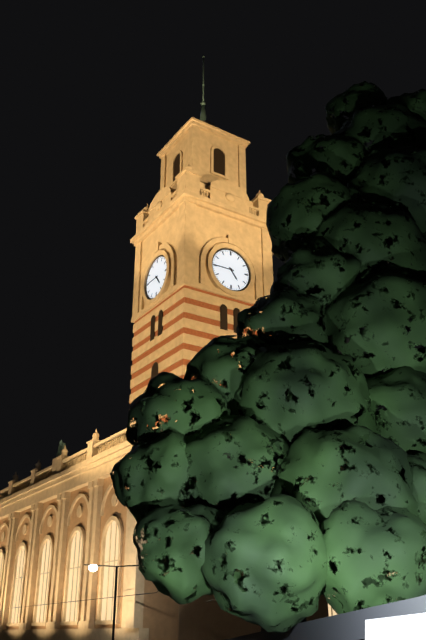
4:45
